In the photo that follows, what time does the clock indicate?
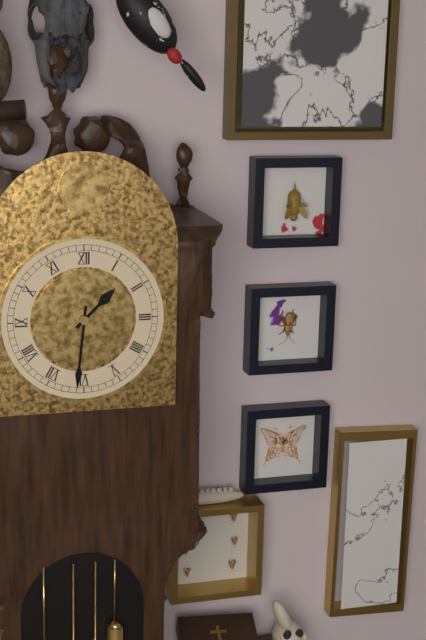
1:31
